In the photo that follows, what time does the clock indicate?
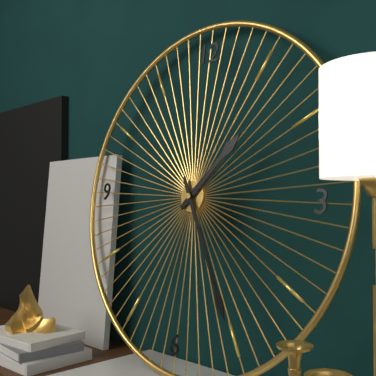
1:25
